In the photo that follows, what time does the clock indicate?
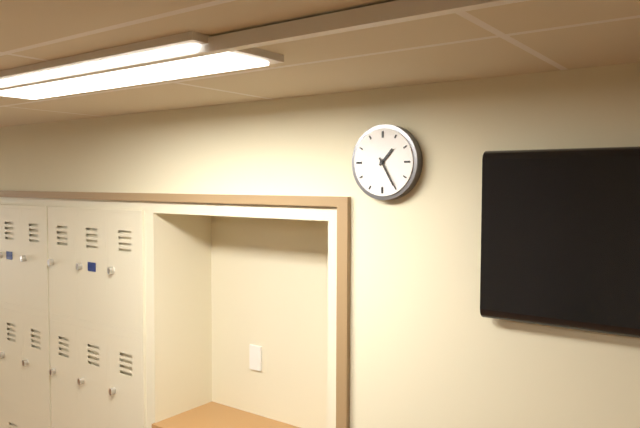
1:25
